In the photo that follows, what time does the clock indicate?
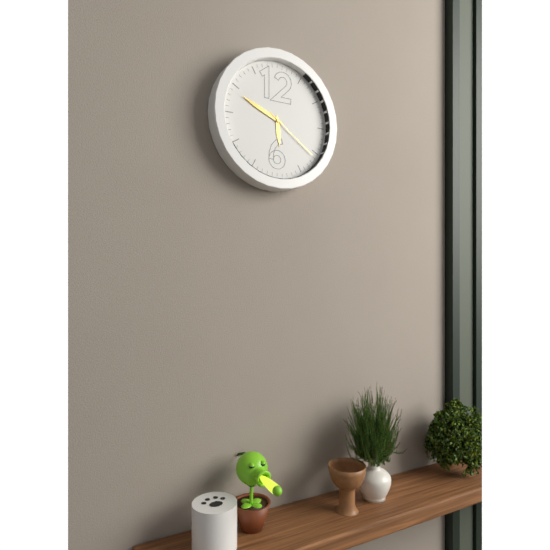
5:49:21
